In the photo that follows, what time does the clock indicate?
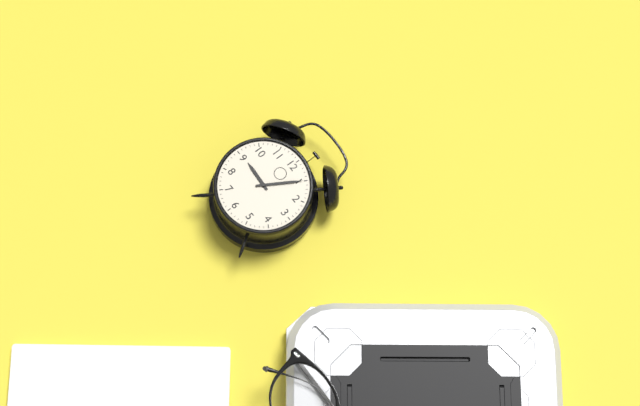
9:05
